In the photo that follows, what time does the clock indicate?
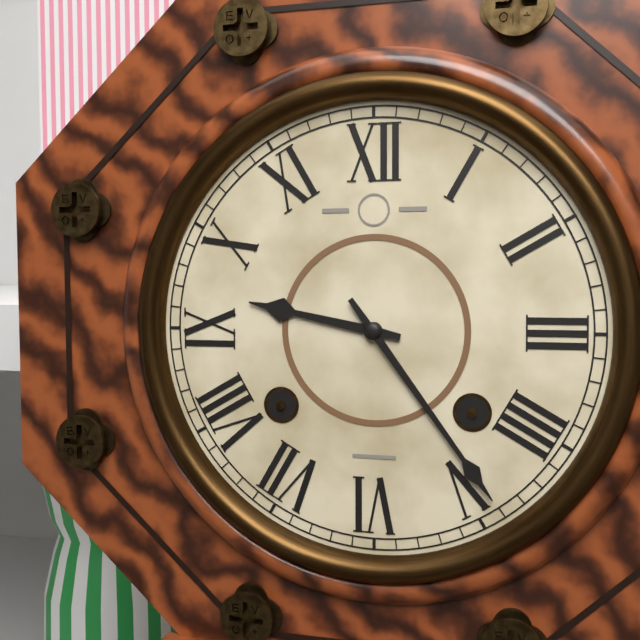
9:24
